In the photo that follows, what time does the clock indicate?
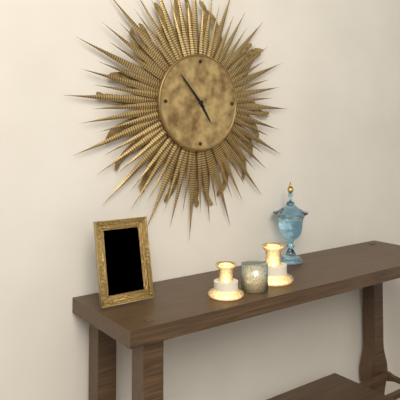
4:53
